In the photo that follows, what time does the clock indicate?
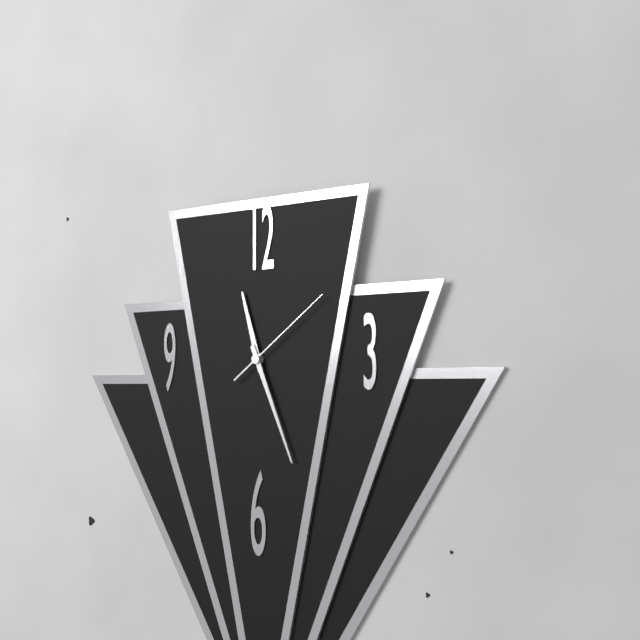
11:26:09
